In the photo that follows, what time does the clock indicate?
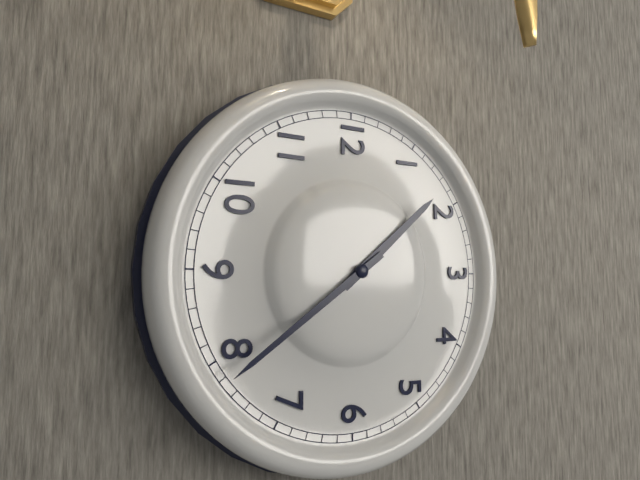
1:39
